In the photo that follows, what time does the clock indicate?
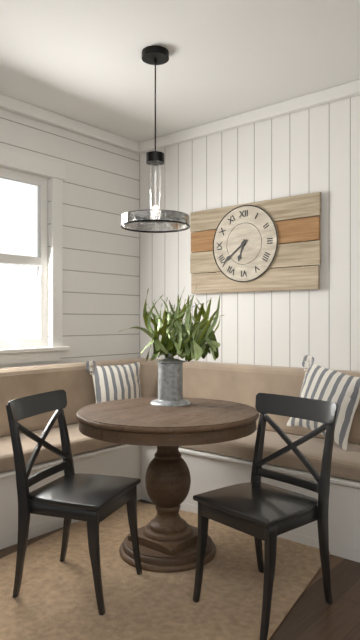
6:39
